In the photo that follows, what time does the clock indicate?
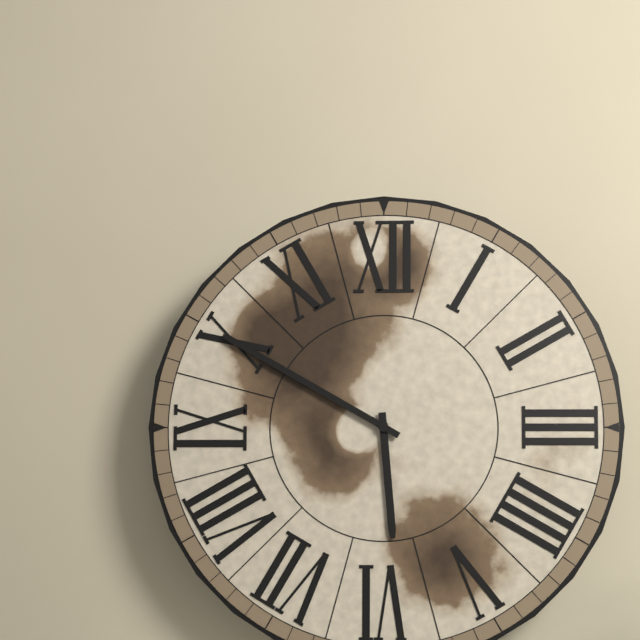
5:50
